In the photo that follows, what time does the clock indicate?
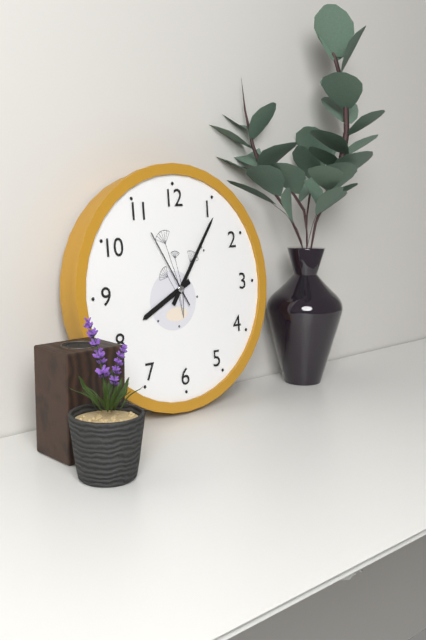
8:06:55
